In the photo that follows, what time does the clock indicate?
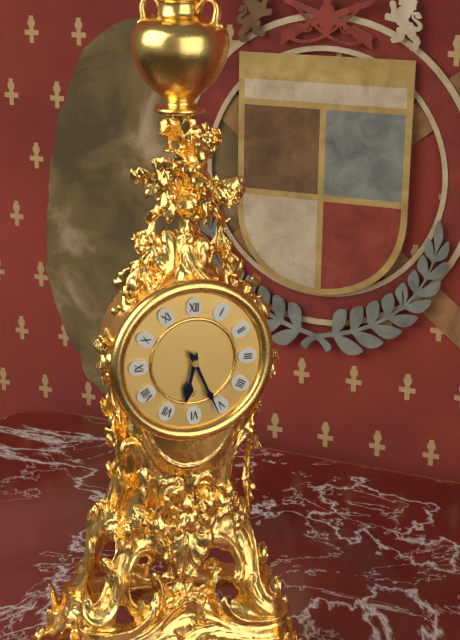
6:26
